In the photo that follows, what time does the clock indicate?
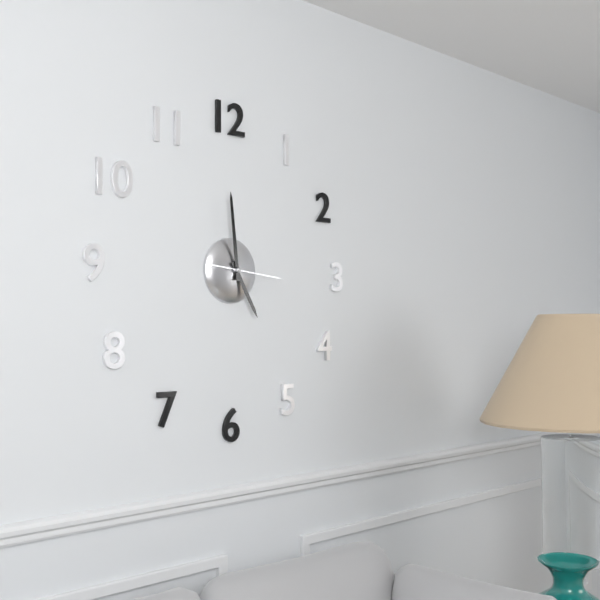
4:59:16
